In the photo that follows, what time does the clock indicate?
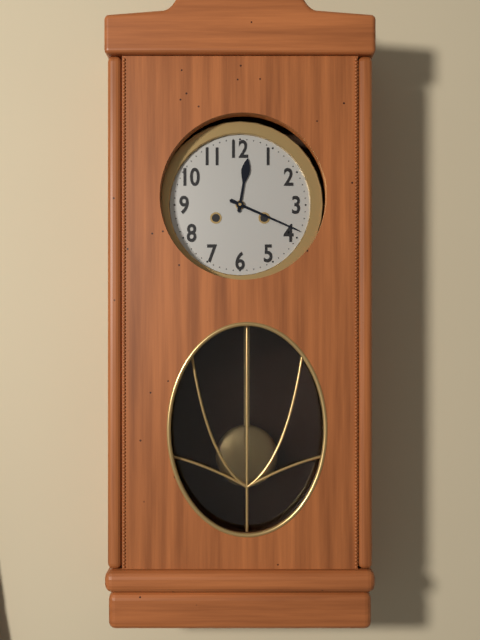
12:19
